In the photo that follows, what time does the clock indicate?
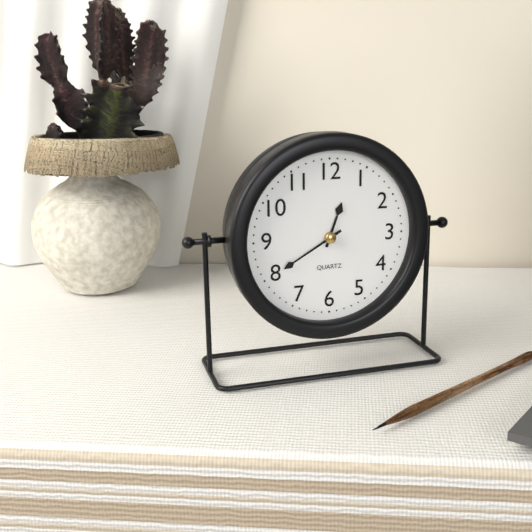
12:40
